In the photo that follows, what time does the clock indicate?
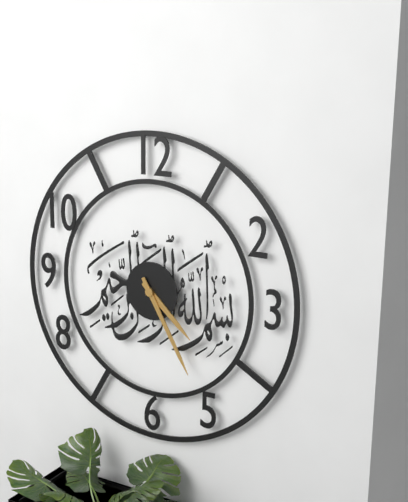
4:25
